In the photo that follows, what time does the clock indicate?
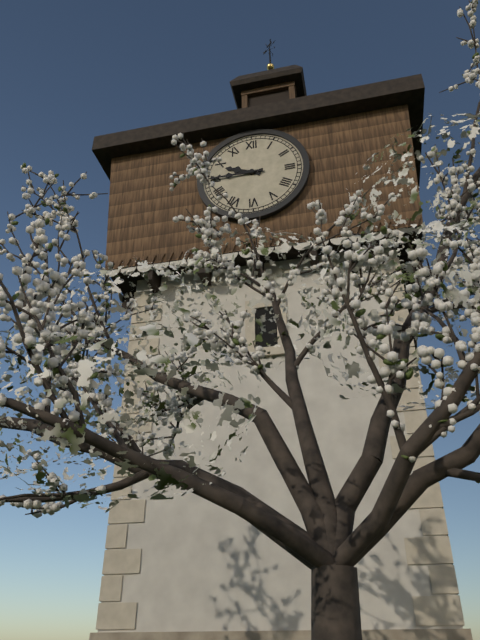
9:45
